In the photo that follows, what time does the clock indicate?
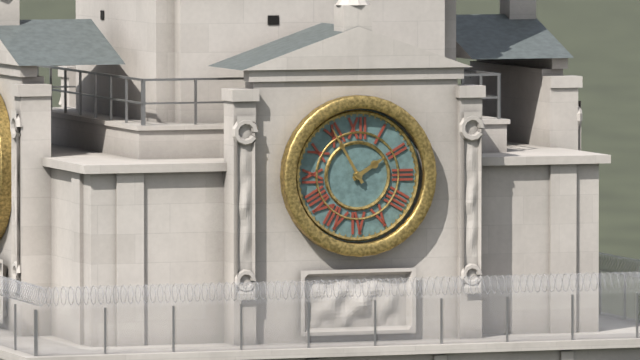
1:55
